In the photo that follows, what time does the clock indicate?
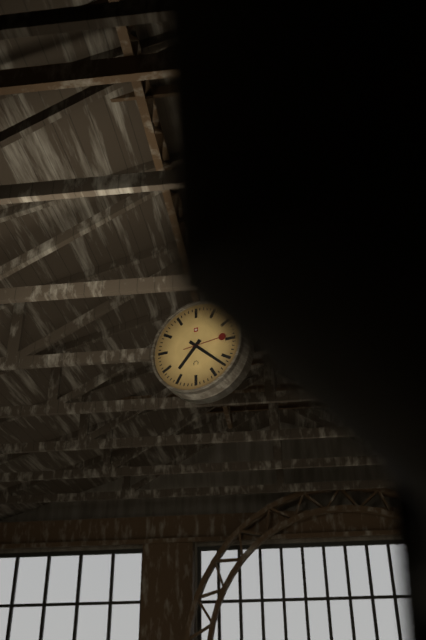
7:22
